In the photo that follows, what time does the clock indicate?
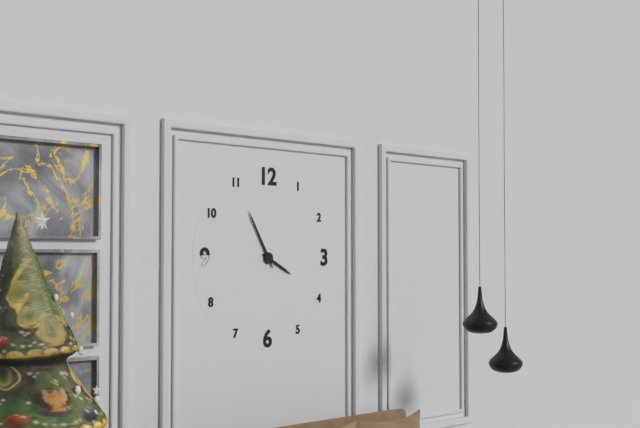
3:55
